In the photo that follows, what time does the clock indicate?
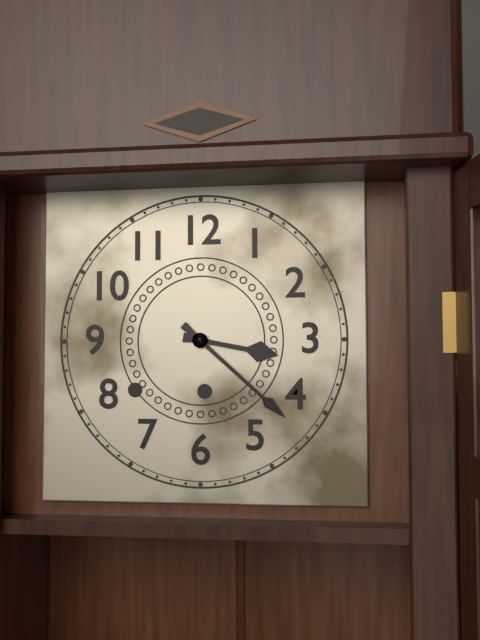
3:22
